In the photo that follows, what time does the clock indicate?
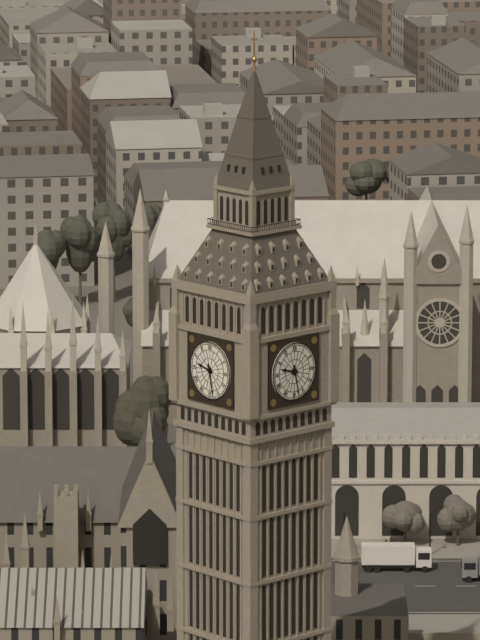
9:28
